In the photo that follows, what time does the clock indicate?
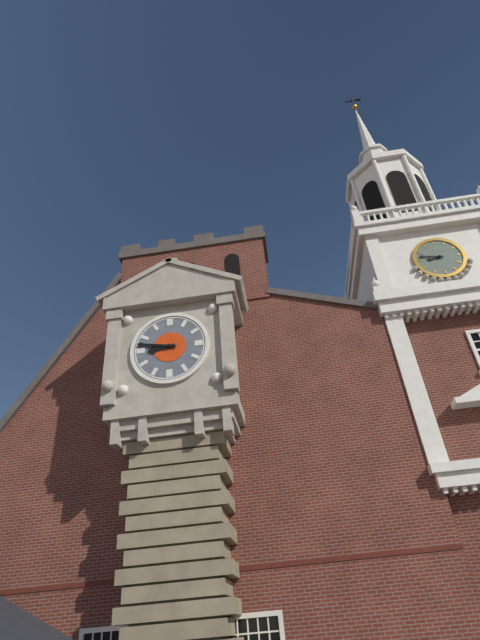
8:47
